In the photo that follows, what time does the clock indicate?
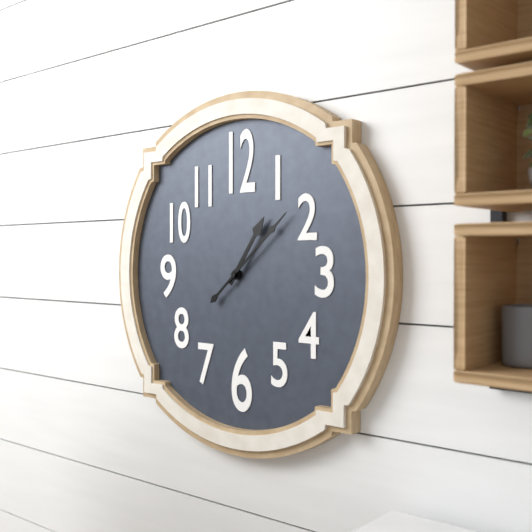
1:08
